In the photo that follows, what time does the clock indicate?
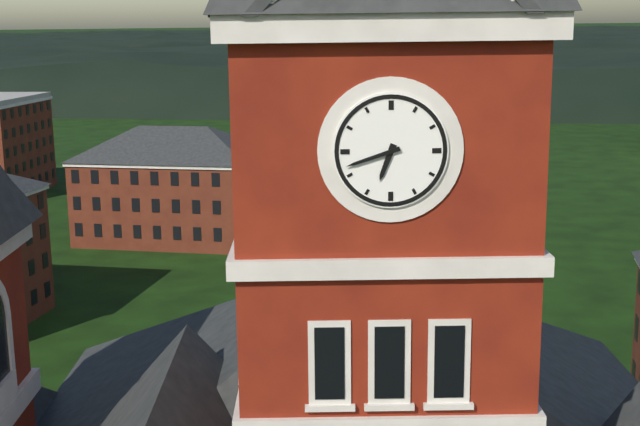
6:42
